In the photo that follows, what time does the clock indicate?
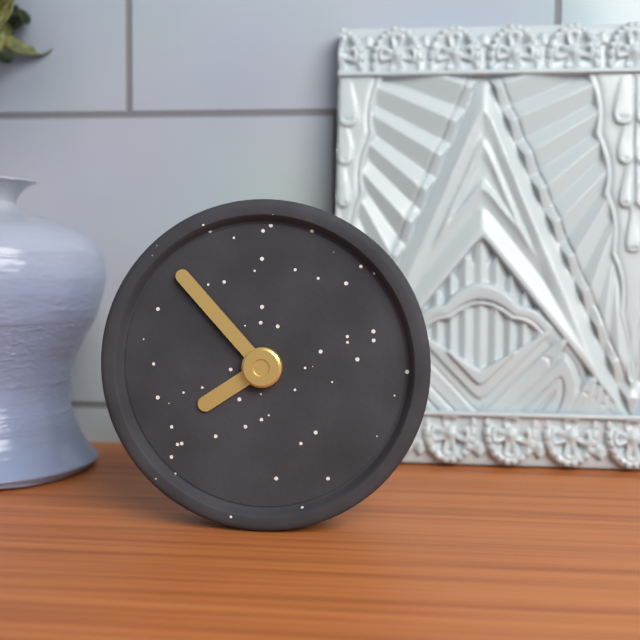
7:53
